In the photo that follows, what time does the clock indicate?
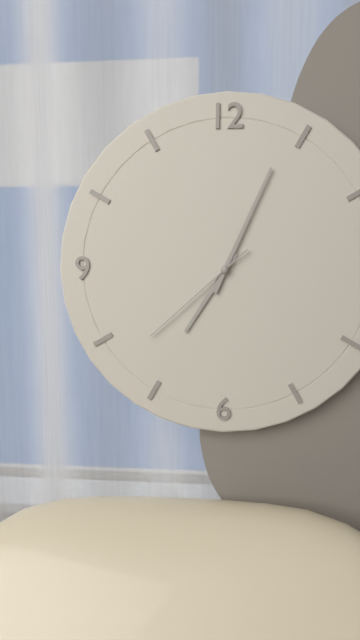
7:04:38
